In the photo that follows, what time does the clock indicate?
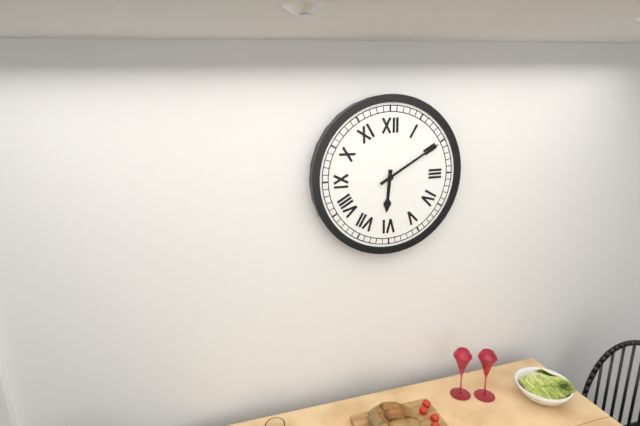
6:10
